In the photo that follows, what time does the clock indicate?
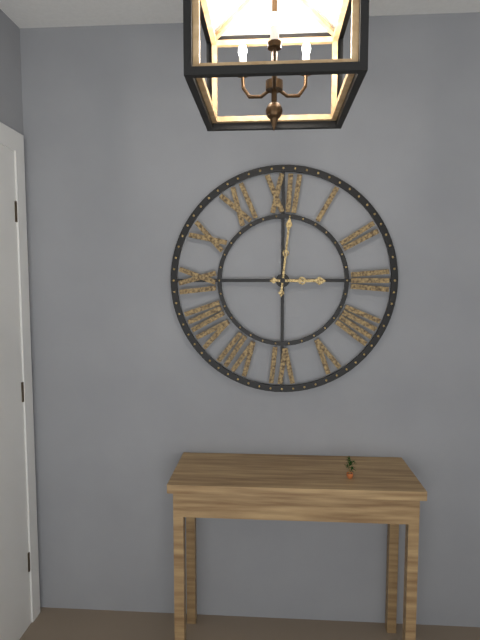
3:01
